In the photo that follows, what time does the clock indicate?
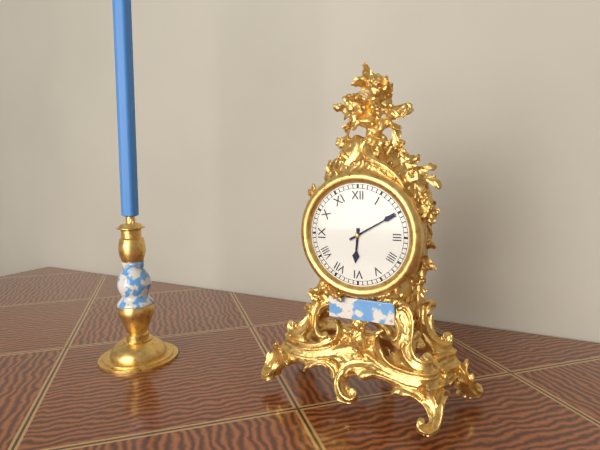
6:10
